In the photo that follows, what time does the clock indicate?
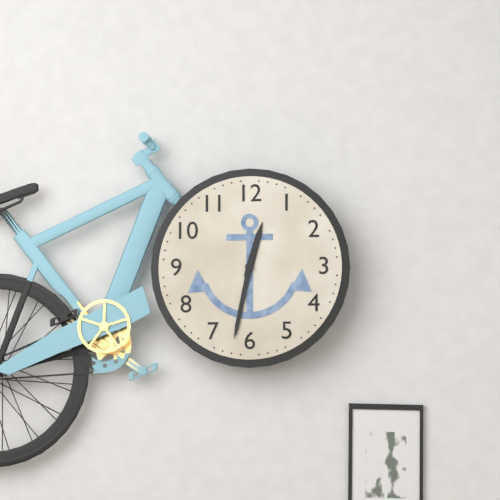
12:32
